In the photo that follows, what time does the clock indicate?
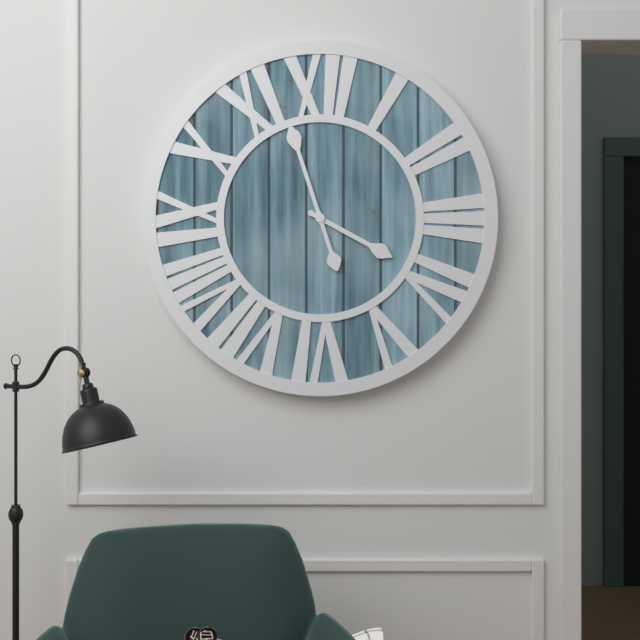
3:57
